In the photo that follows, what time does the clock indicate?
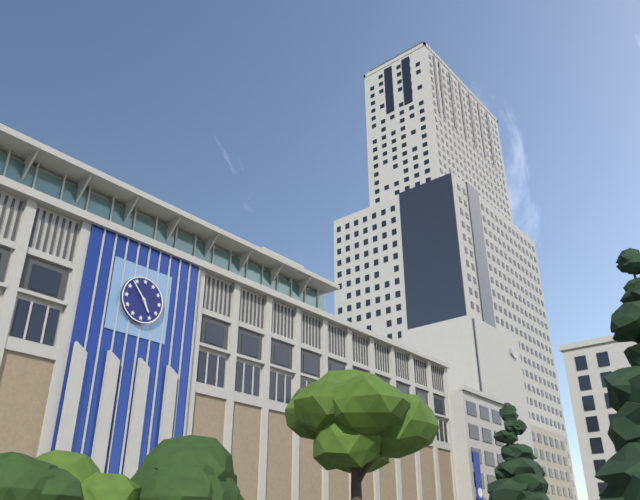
4:53
